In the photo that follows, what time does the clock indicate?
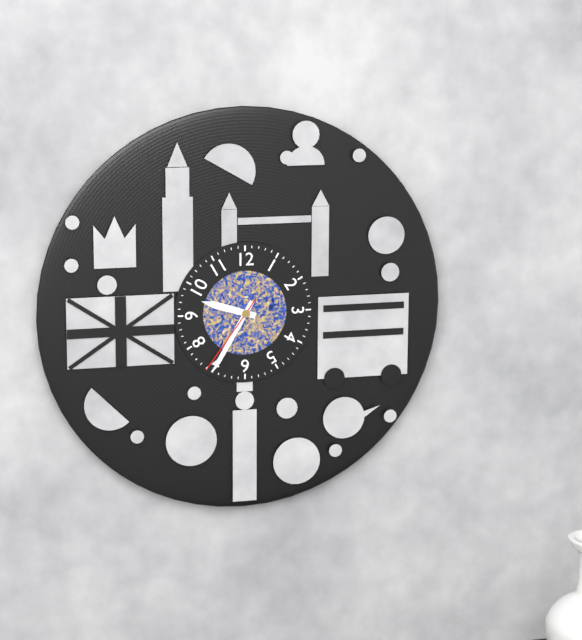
9:35:36
